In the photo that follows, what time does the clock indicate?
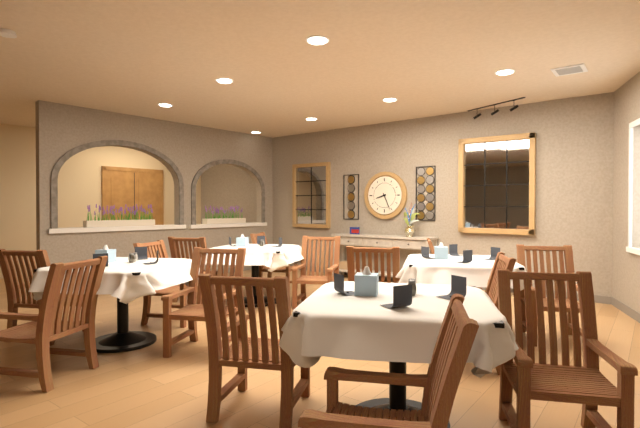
8:26
